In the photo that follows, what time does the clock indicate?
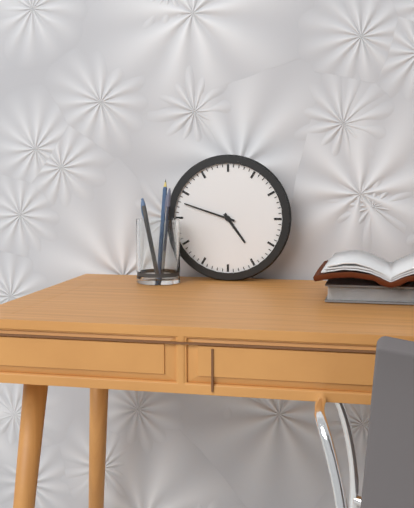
4:48
